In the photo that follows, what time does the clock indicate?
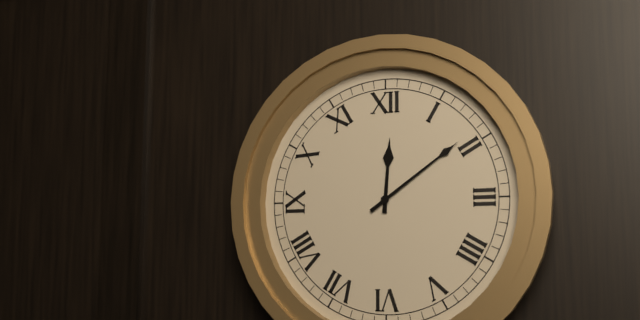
12:09
